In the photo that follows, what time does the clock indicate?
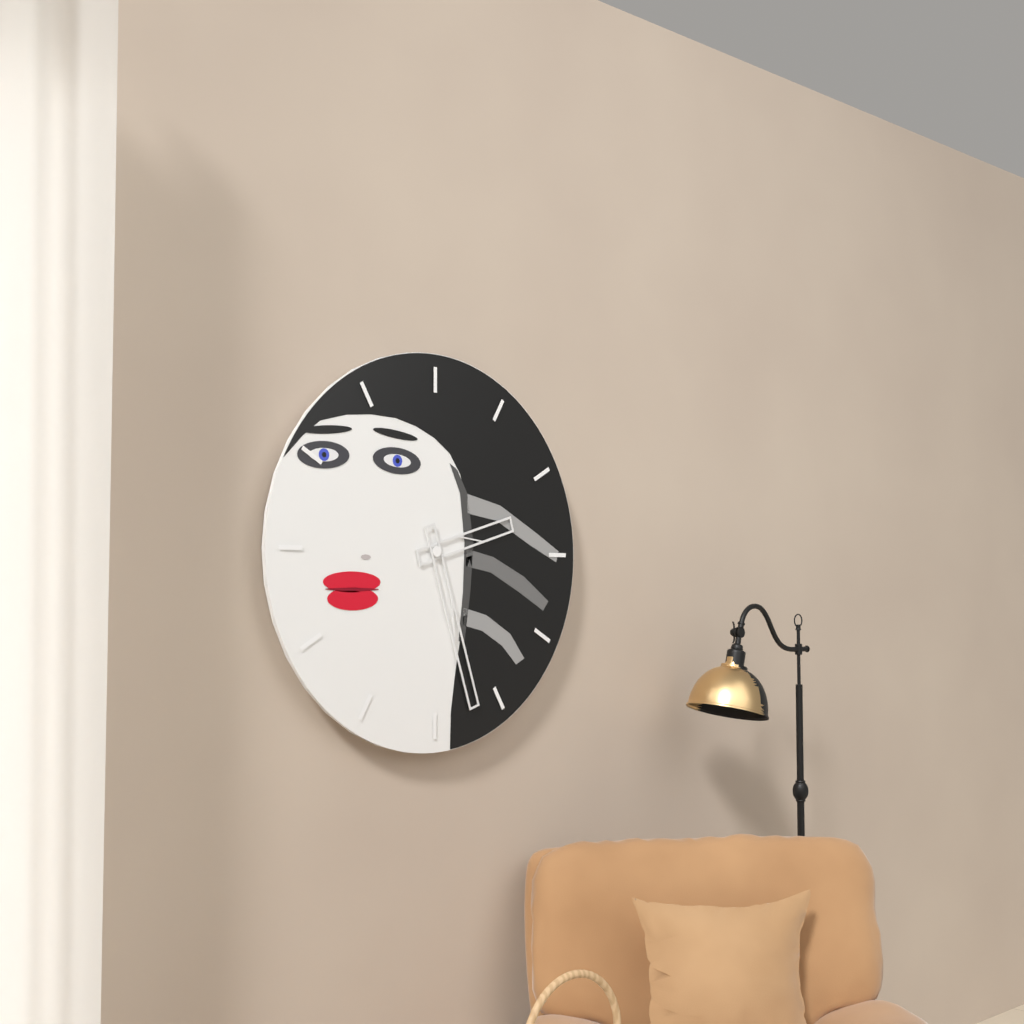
2:27
